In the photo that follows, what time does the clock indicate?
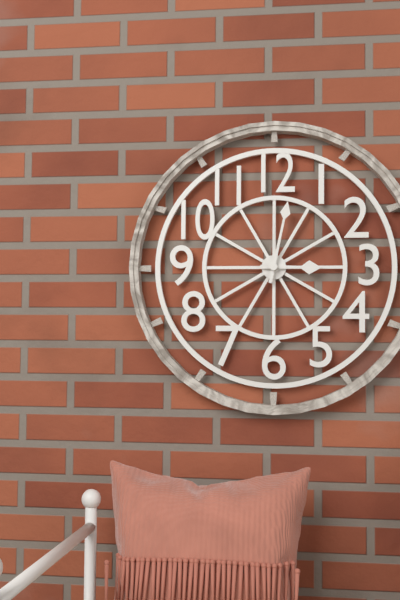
3:02
